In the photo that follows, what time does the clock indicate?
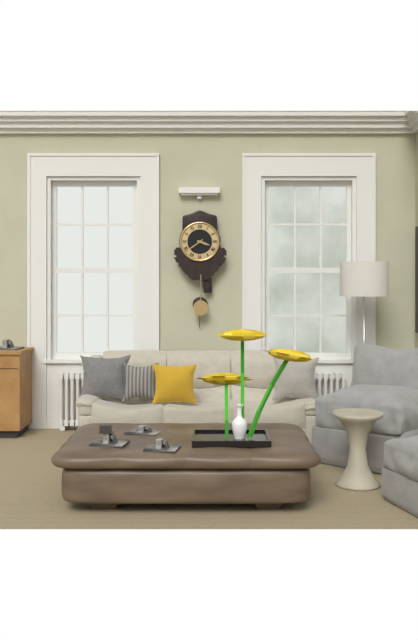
3:39
